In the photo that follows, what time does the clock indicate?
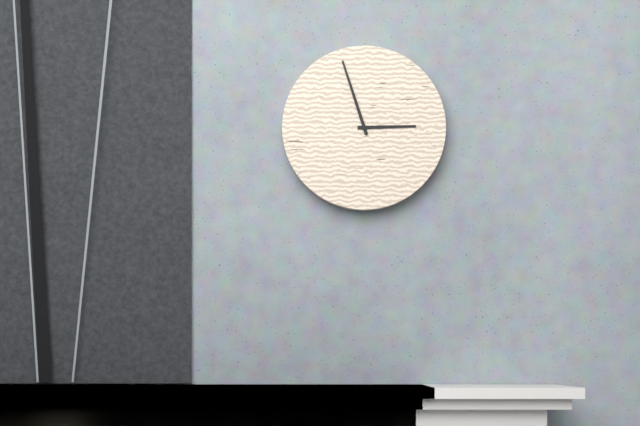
2:57
